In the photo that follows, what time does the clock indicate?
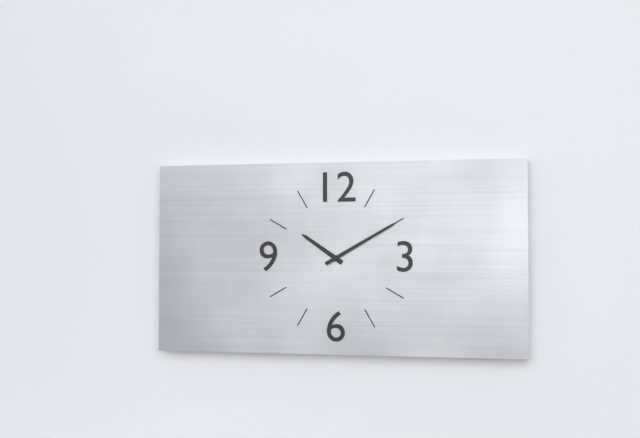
10:10
